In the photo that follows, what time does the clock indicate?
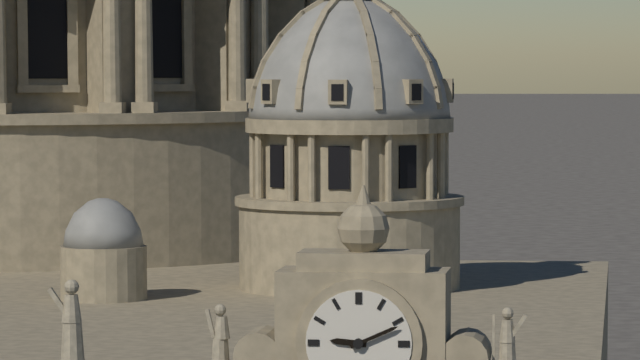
9:11
